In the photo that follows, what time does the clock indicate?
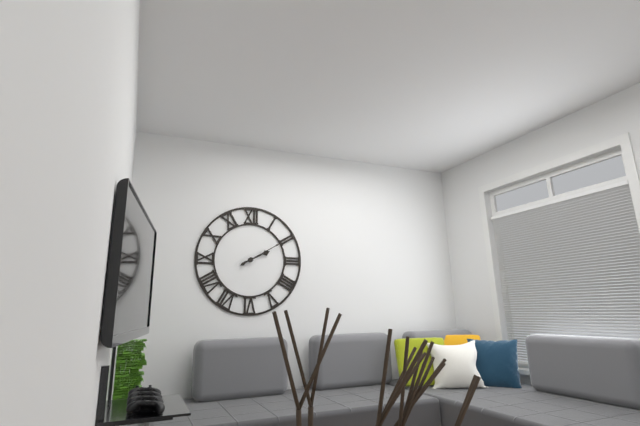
2:10
